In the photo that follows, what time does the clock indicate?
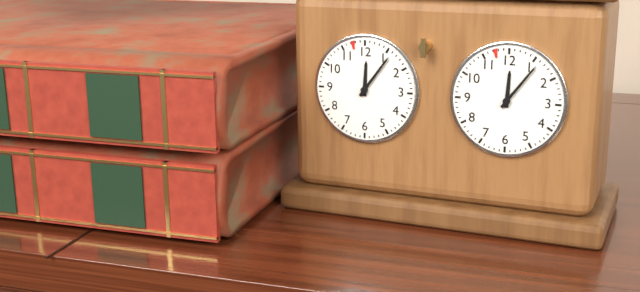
12:06
